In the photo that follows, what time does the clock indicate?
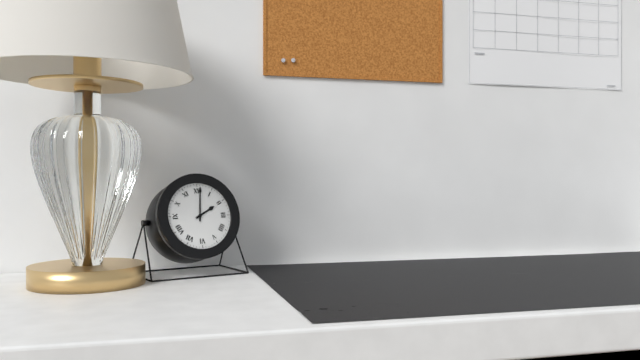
2:01
